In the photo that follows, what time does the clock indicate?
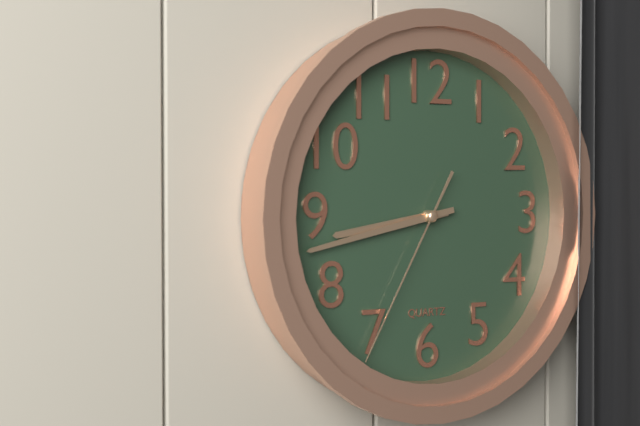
8:43:35
